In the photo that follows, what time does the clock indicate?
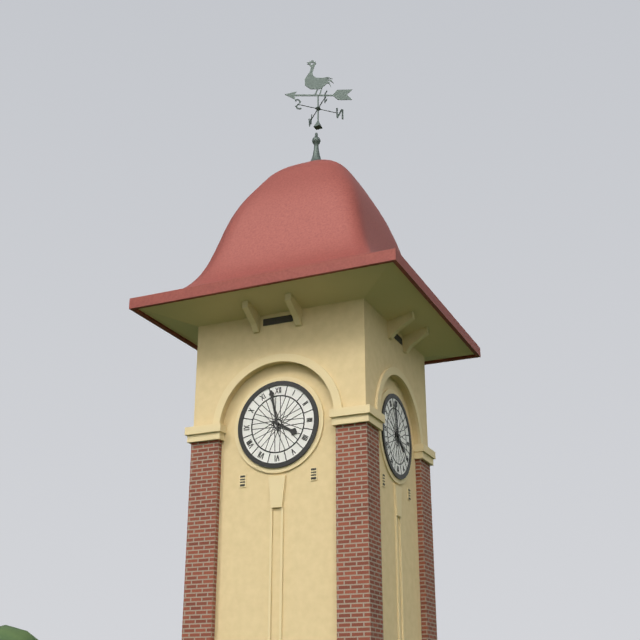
3:58
